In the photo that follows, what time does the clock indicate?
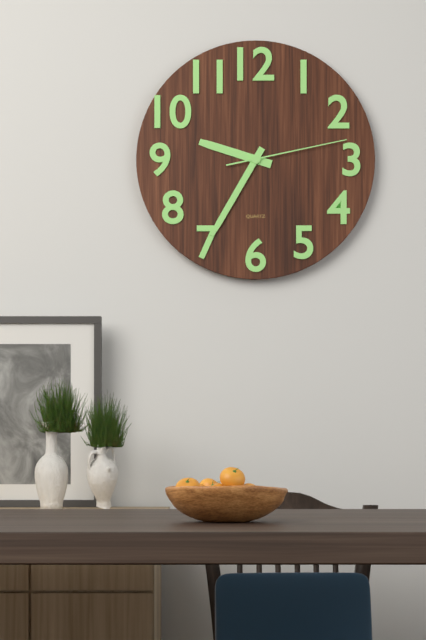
9:35:13
